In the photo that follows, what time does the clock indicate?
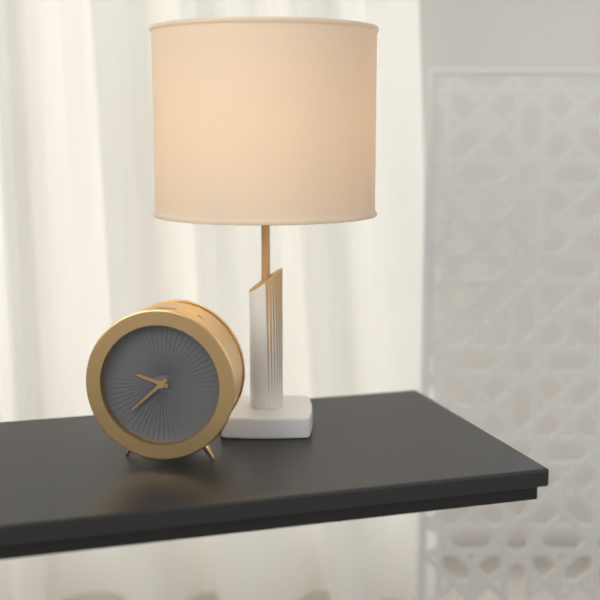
9:38
